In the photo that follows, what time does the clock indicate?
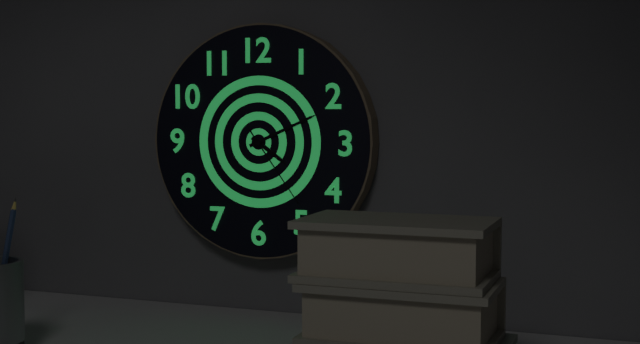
4:11:24
